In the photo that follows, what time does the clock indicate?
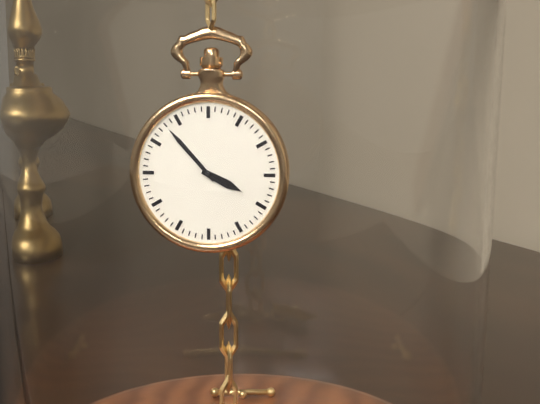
3:53
